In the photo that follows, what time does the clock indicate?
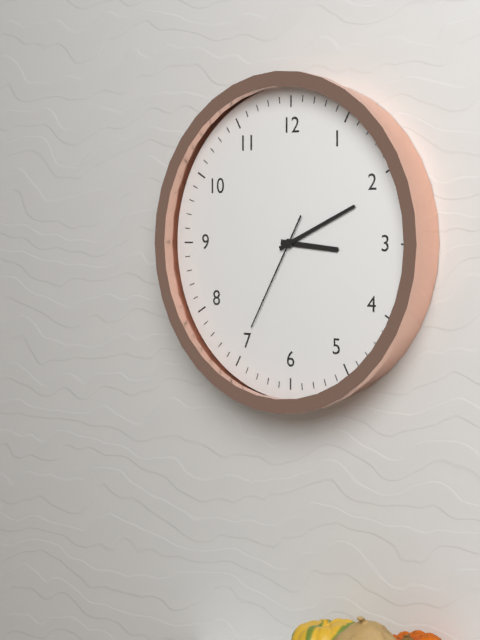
3:11:35
